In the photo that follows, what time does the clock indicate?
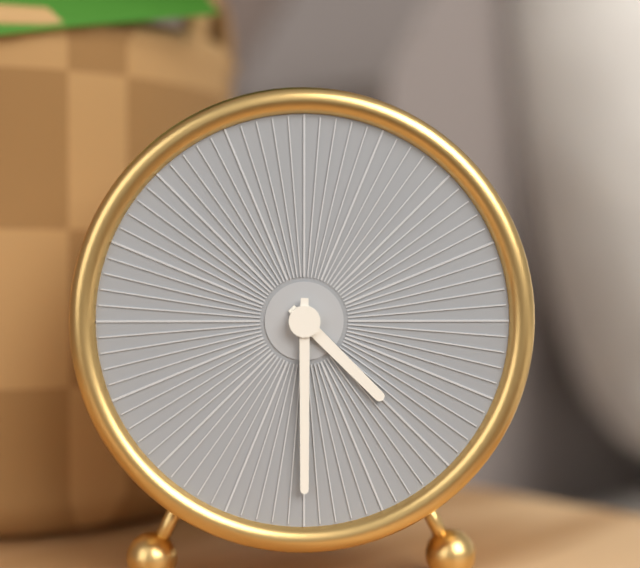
4:30
